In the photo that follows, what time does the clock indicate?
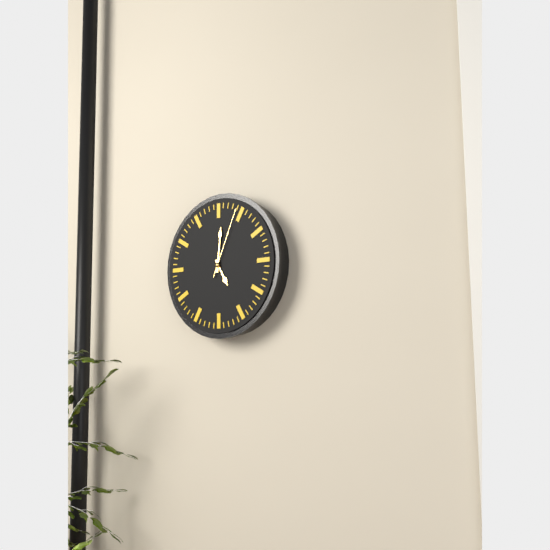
5:01:04
